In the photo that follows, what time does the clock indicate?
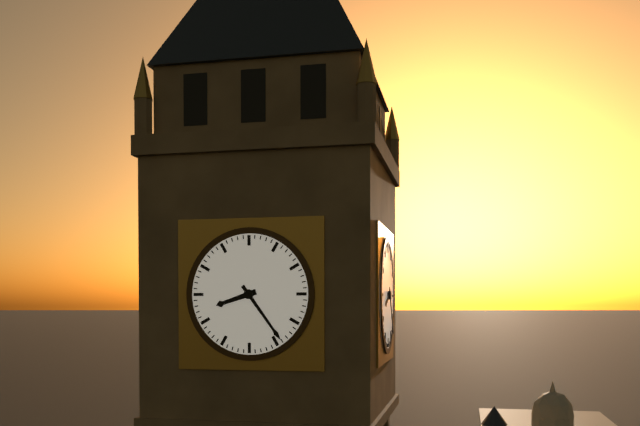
8:24
